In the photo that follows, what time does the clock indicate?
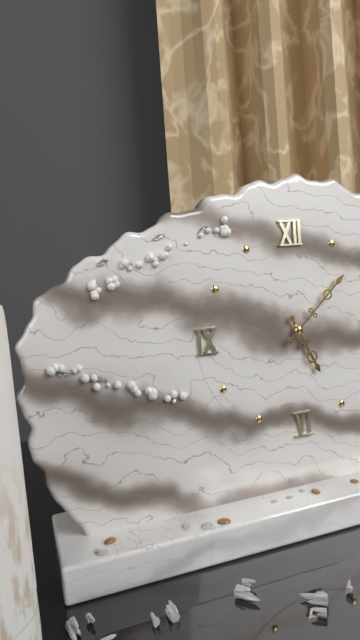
5:08
